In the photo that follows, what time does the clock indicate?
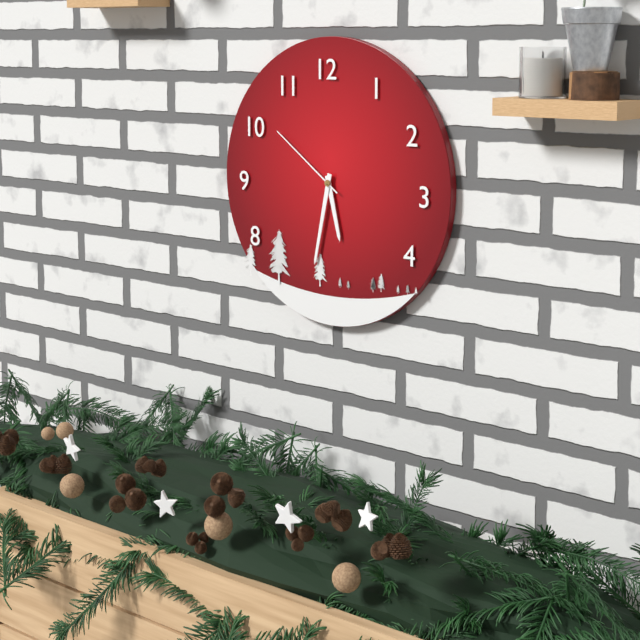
5:32:51
